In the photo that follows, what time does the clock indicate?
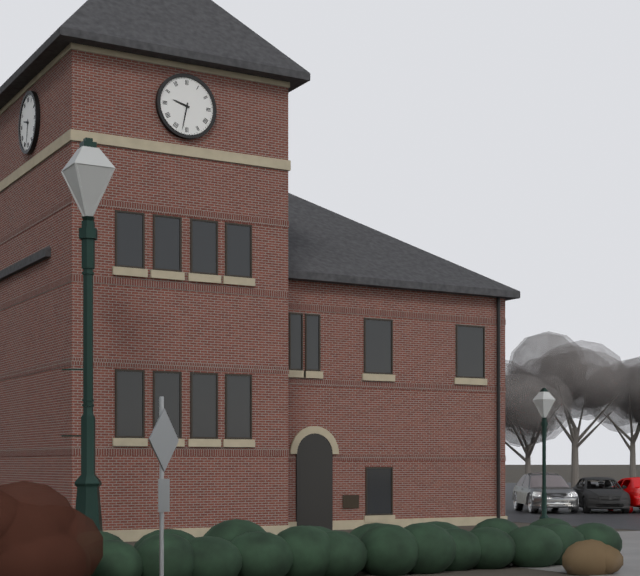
9:32
